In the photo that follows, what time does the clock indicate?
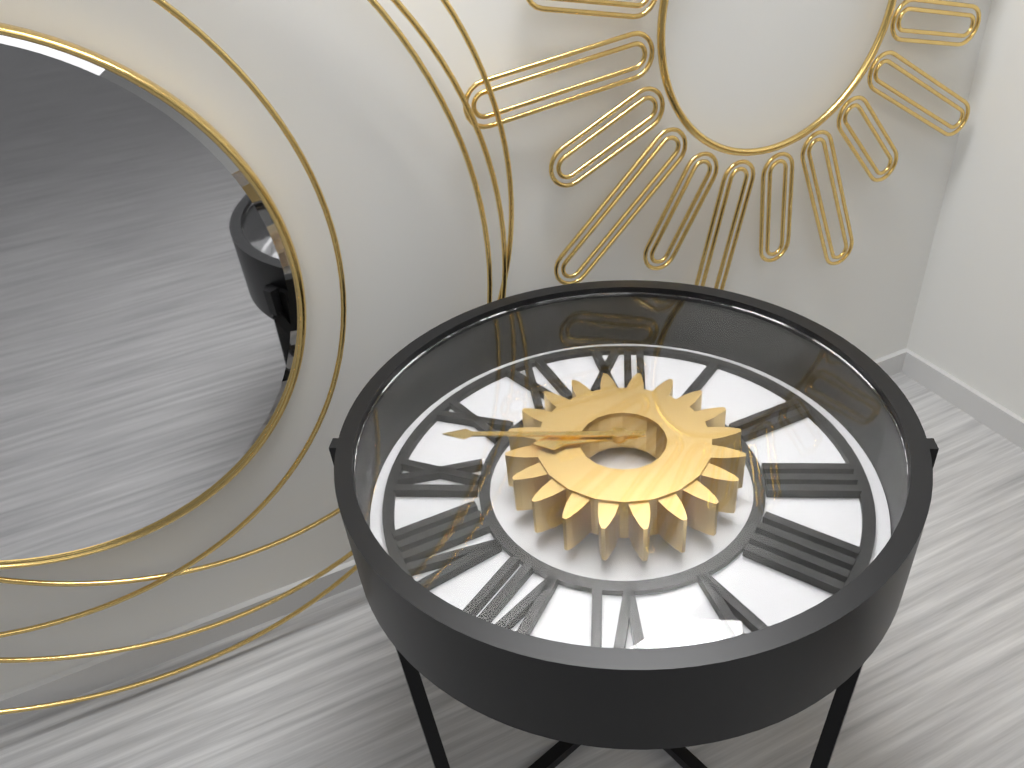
8:45
